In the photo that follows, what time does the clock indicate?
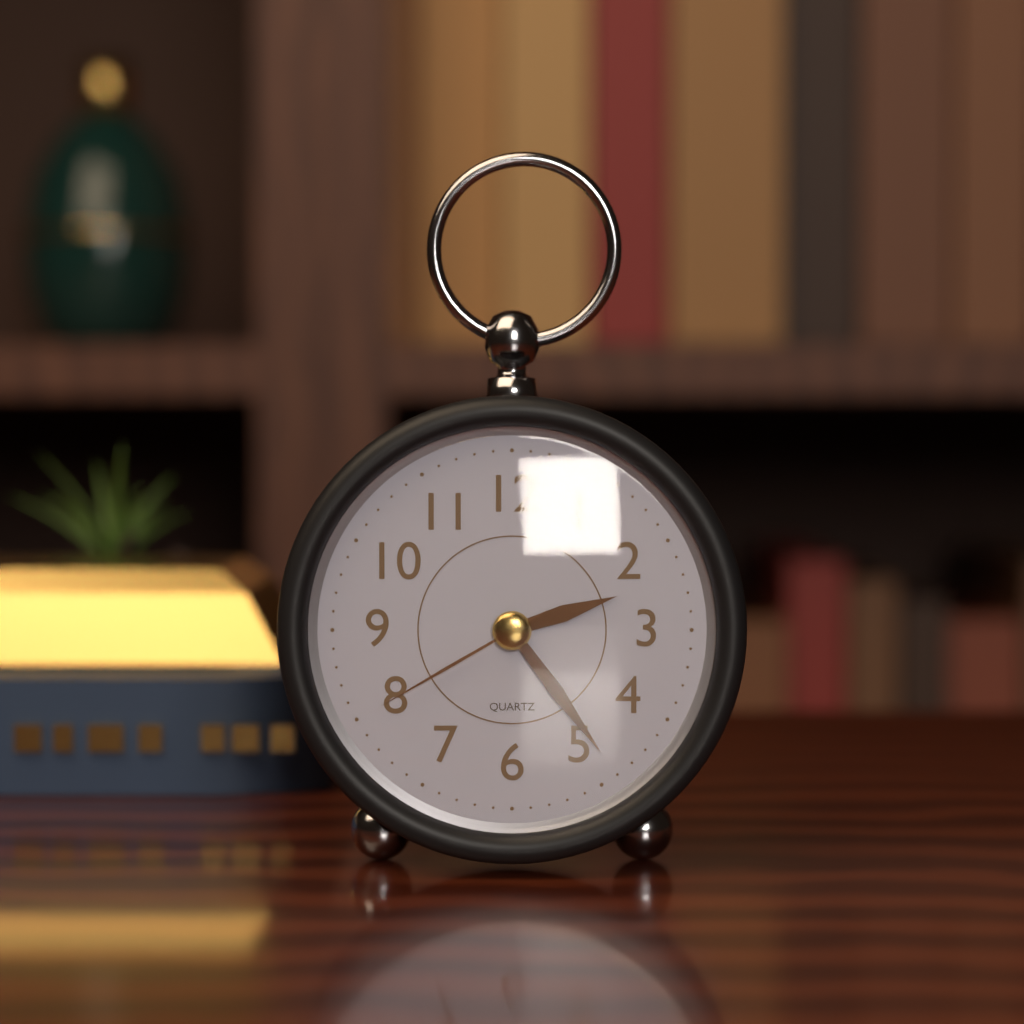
2:24:40
